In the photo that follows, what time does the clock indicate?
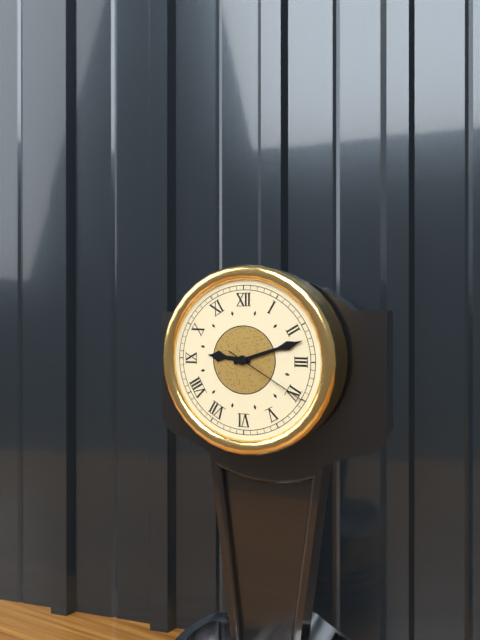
9:12:20
